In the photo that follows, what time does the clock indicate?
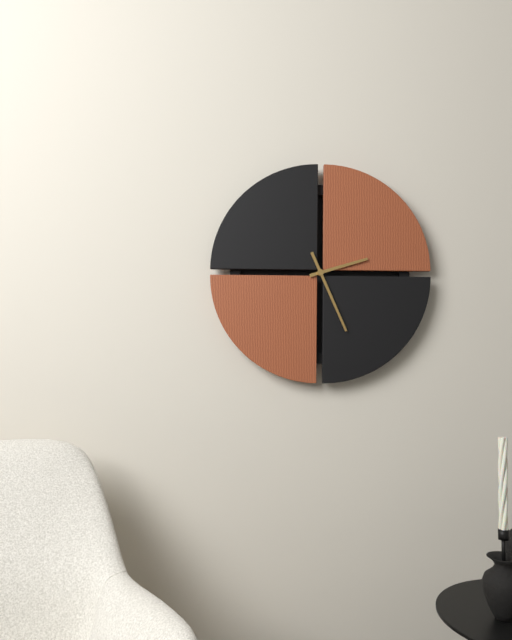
2:26
